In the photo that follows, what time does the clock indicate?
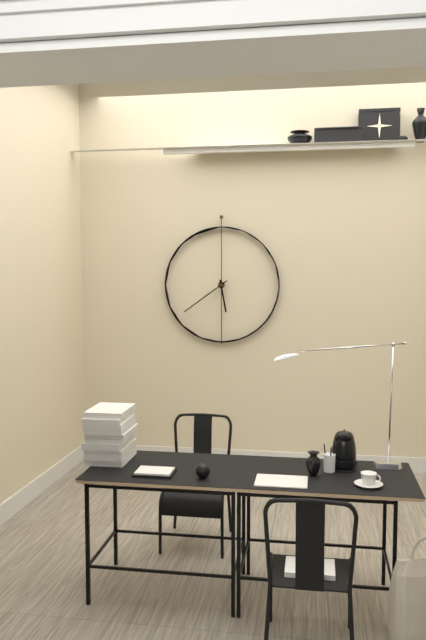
5:39
